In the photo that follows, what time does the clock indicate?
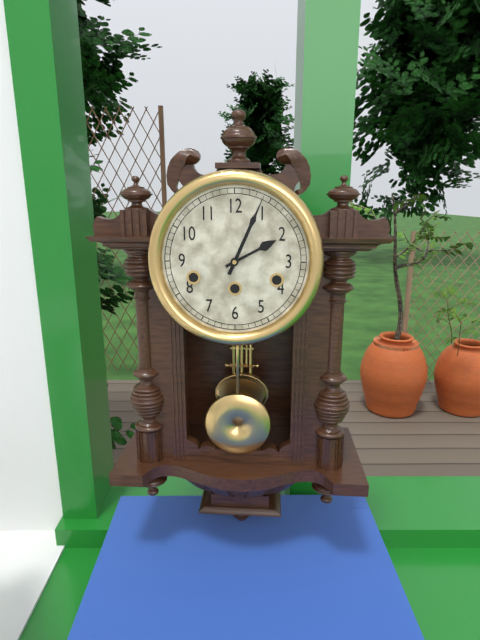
2:04
